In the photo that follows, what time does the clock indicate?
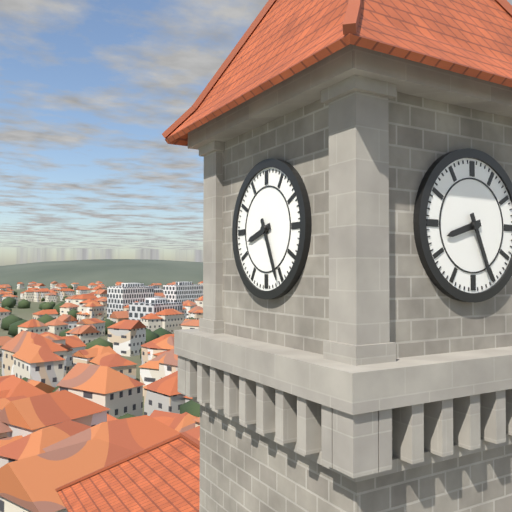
8:26
